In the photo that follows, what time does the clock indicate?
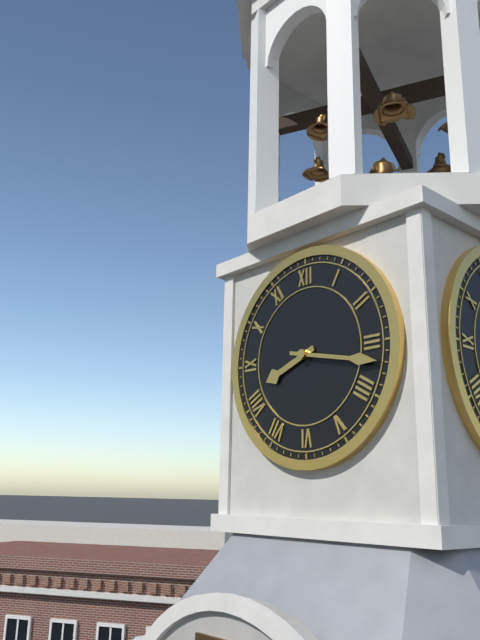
8:17
